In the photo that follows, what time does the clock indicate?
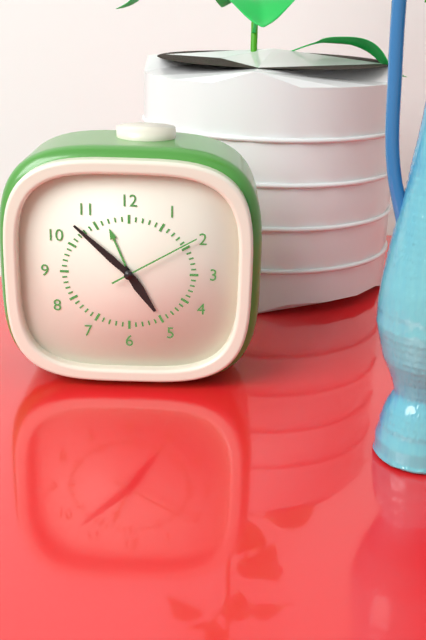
4:52:10
